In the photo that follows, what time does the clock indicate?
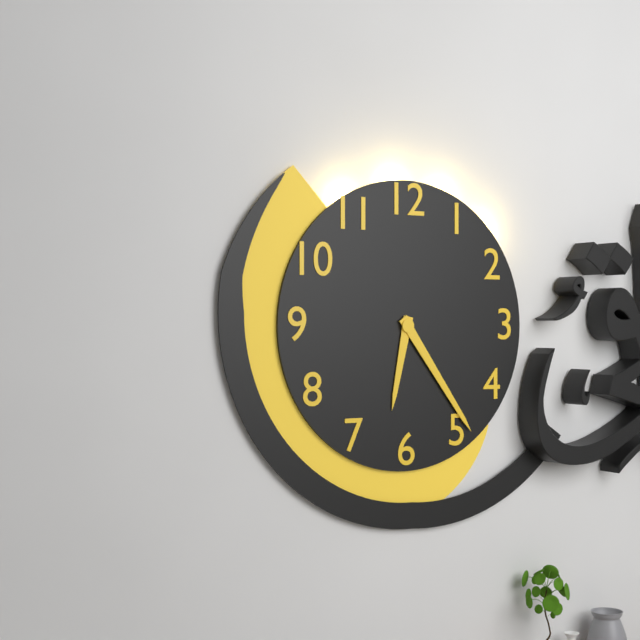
6:24
